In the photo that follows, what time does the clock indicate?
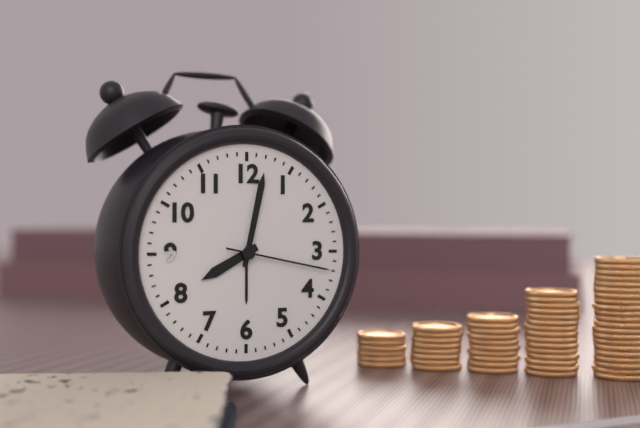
8:02:17
